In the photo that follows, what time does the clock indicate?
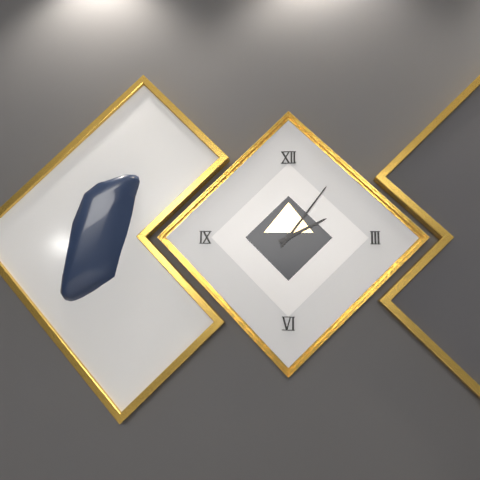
2:06
